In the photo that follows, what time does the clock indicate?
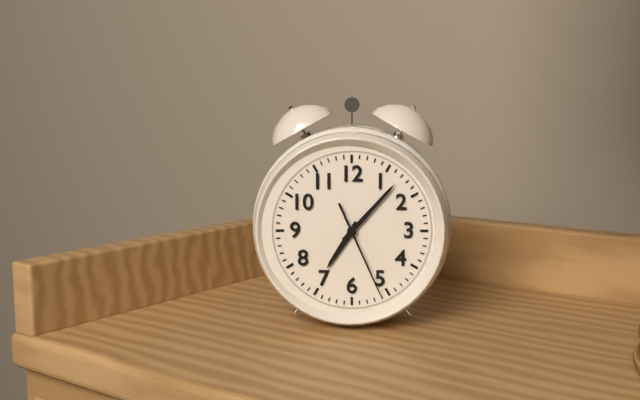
7:07:26
